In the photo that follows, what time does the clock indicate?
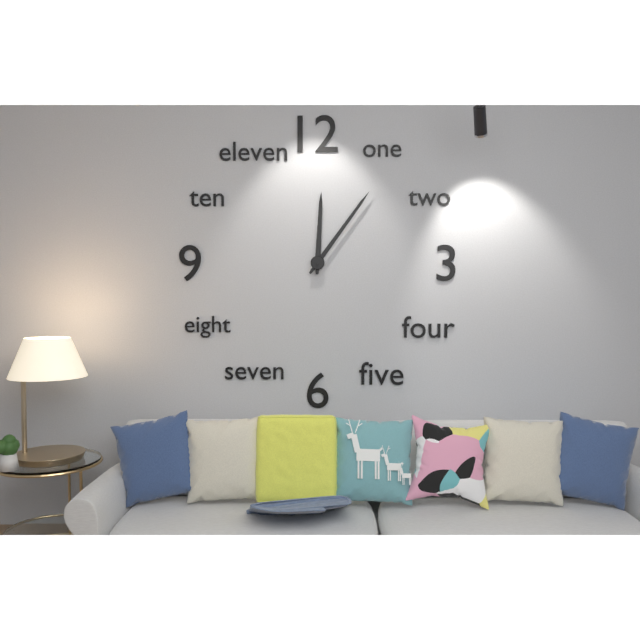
12:06
